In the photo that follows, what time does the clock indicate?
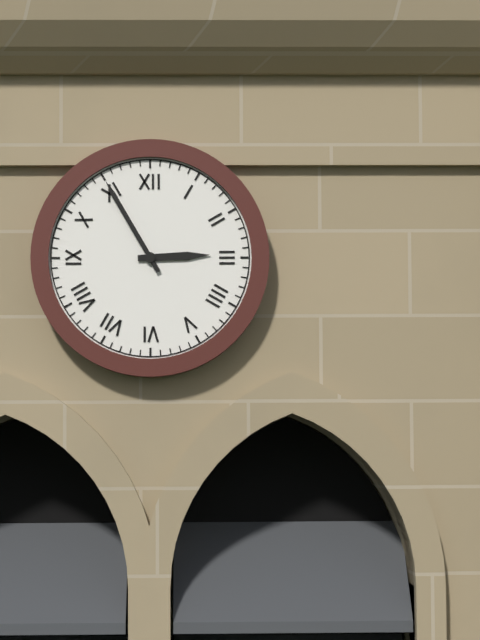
2:55
